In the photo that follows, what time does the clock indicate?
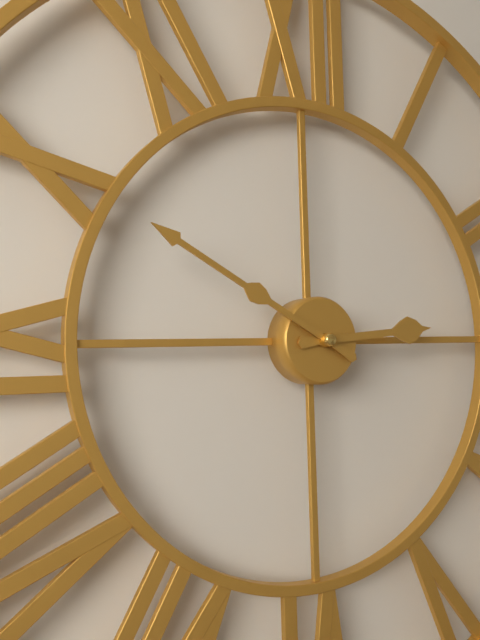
2:50
